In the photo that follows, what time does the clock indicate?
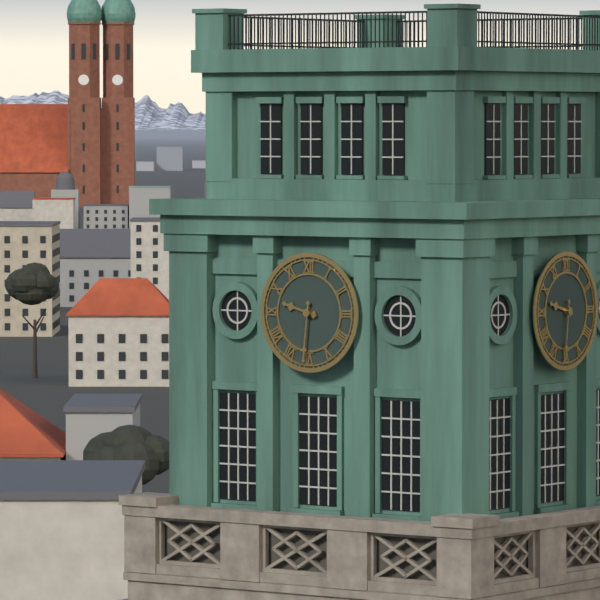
9:31
